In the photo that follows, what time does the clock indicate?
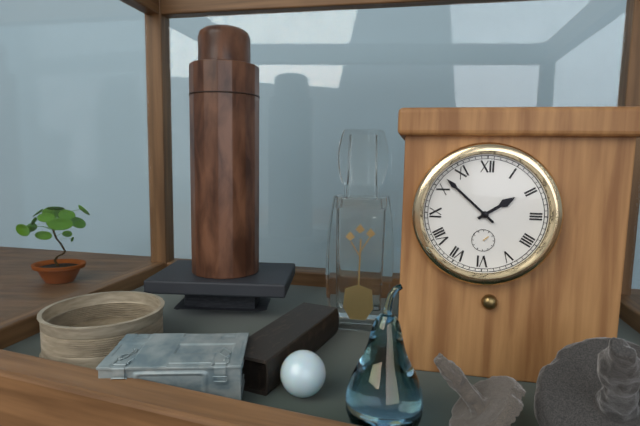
1:52
